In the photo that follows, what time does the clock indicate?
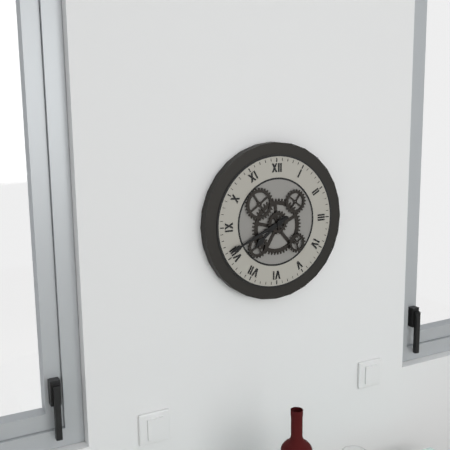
7:41
